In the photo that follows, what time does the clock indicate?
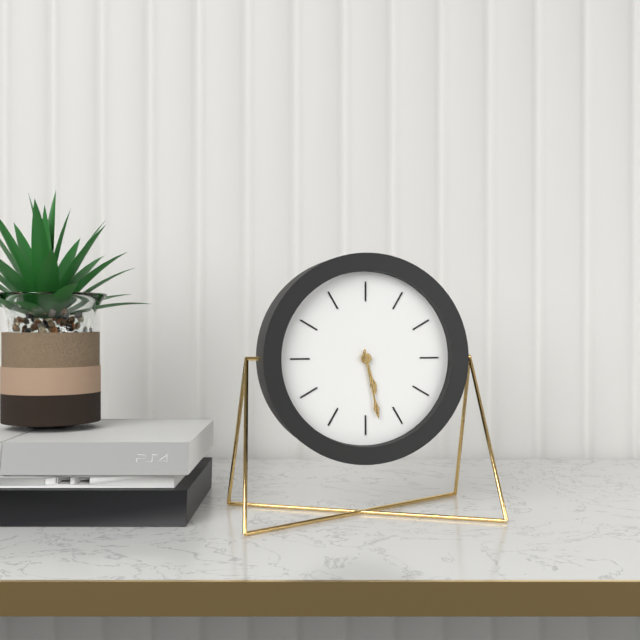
5:28
